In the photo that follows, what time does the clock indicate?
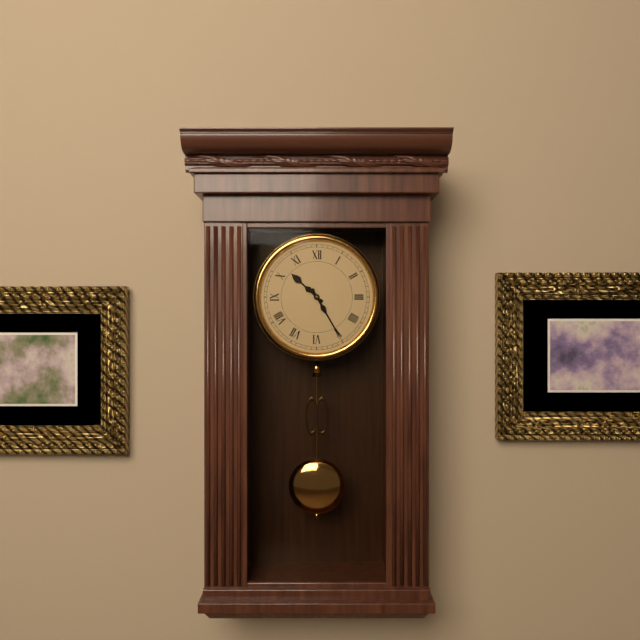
10:25
